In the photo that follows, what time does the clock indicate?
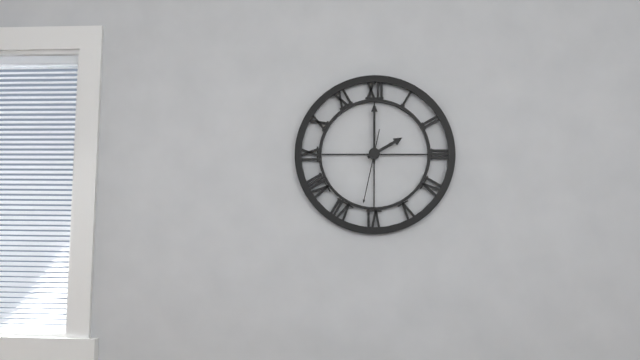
2:00:32
